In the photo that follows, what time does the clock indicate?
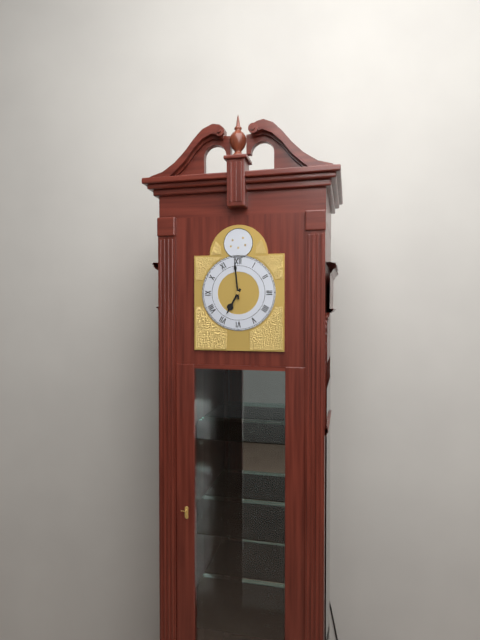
6:59
